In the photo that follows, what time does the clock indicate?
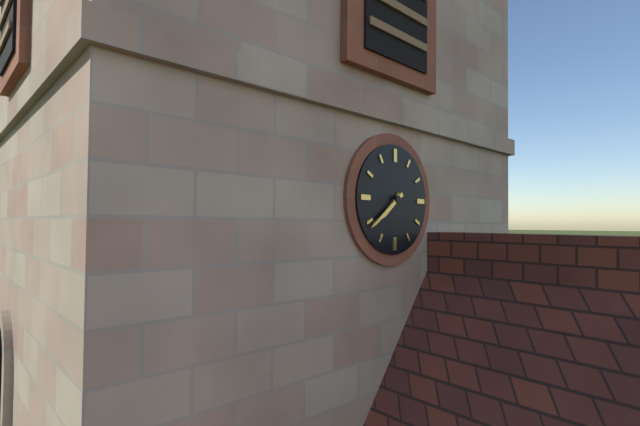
7:39
